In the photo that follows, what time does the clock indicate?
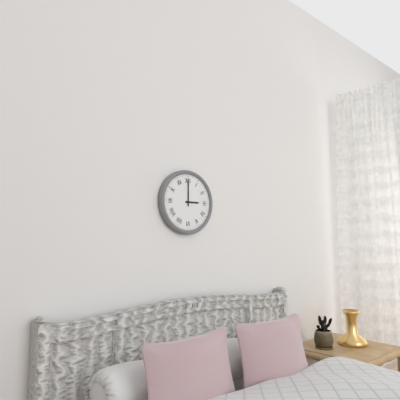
3:00
